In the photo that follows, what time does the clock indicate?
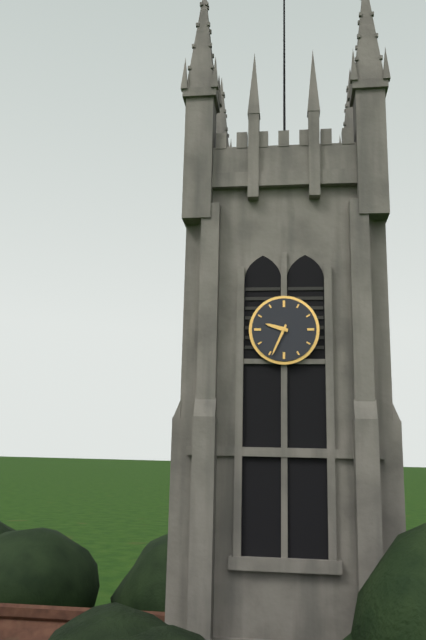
9:34
